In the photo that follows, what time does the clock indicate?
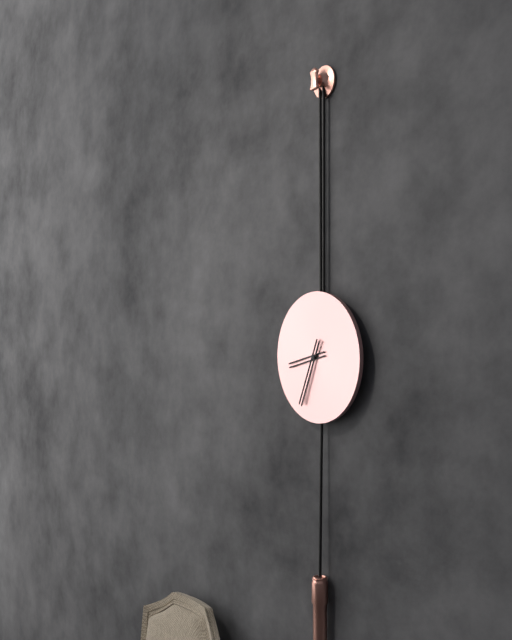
8:34
